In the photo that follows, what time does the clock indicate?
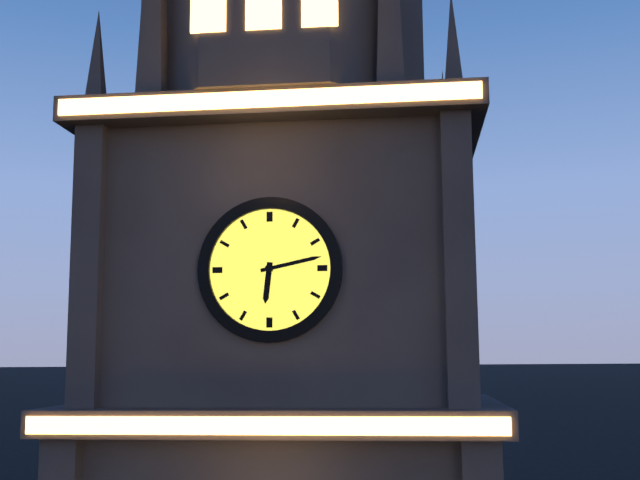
6:13
